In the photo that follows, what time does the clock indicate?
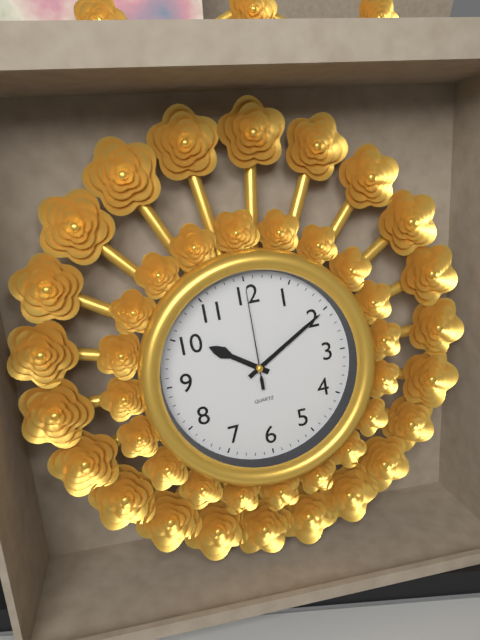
10:10:00
